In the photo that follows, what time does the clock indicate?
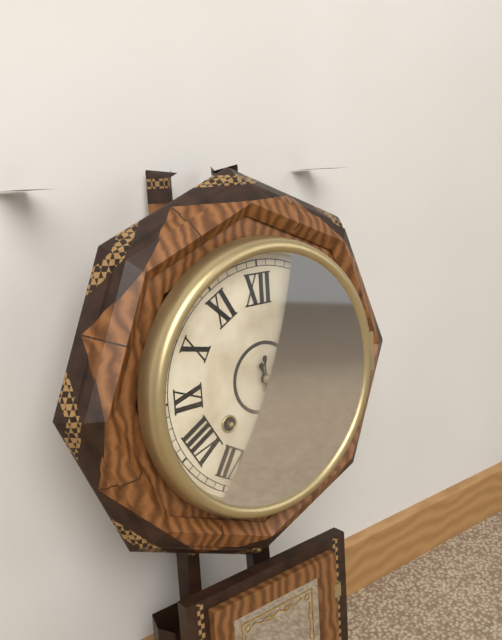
5:30
